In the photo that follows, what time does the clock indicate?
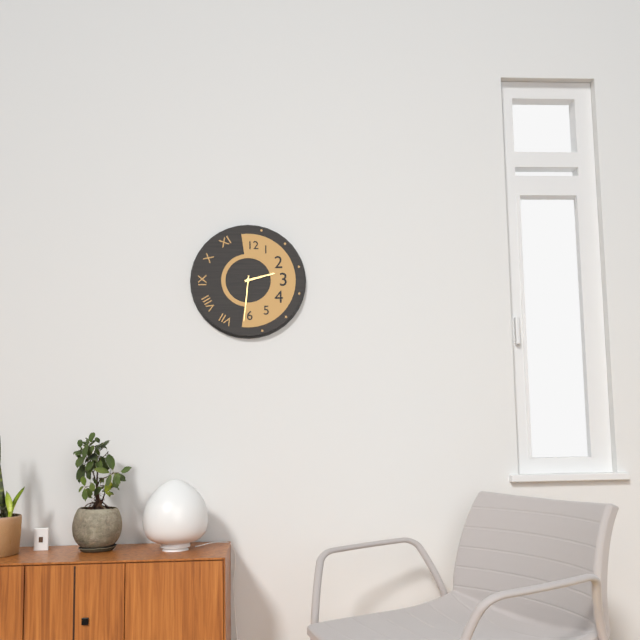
2:31
